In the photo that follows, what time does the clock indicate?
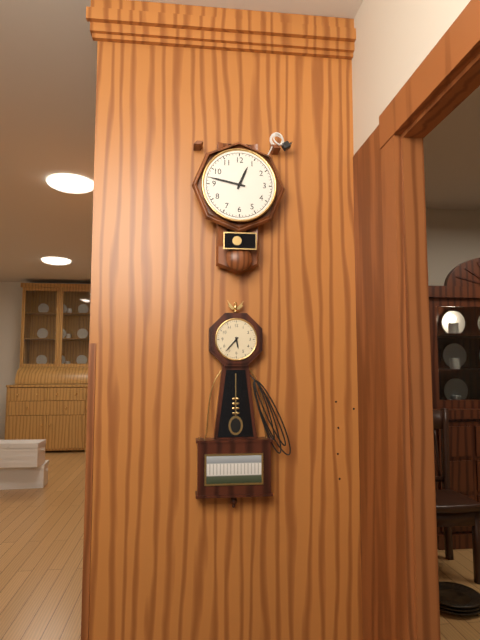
12:47
